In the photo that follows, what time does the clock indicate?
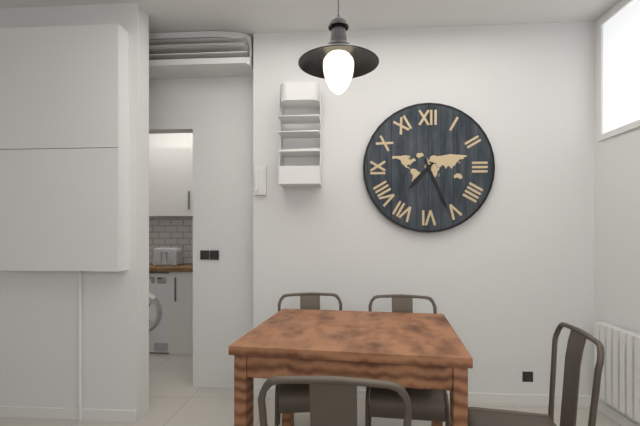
7:26
